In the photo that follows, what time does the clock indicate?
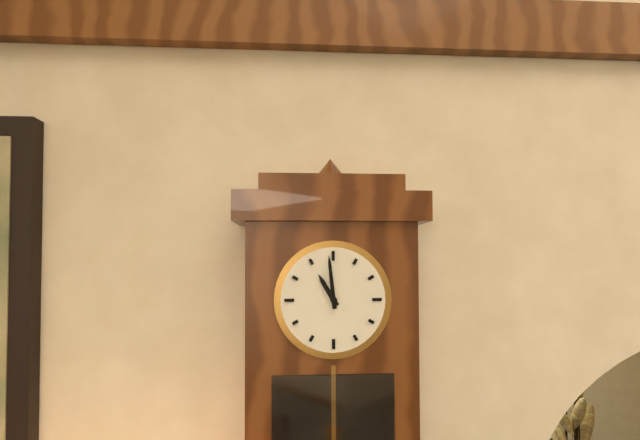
10:59
